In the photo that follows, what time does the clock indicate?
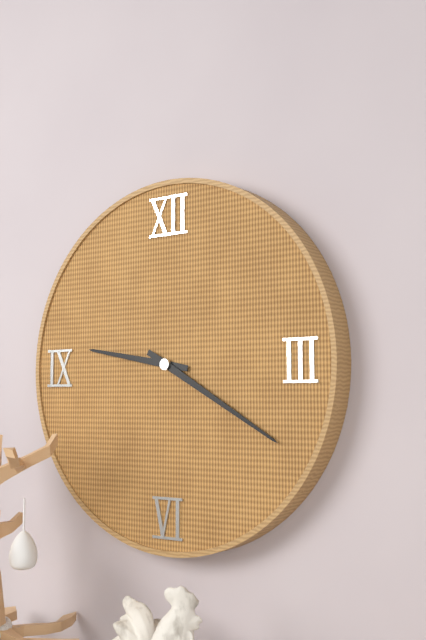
9:20
